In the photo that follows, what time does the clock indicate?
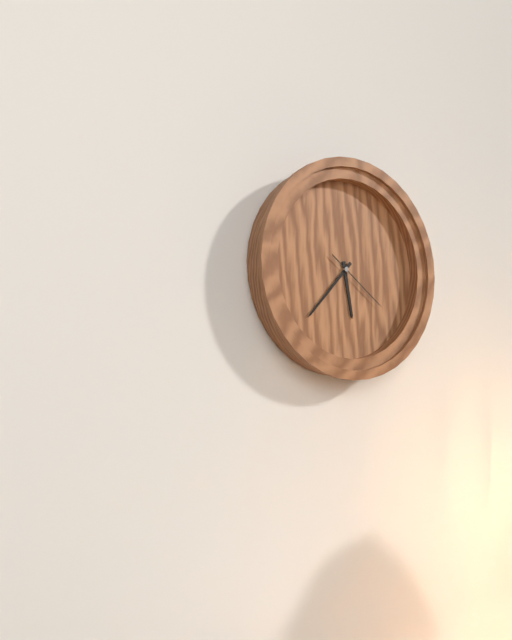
5:37:21
